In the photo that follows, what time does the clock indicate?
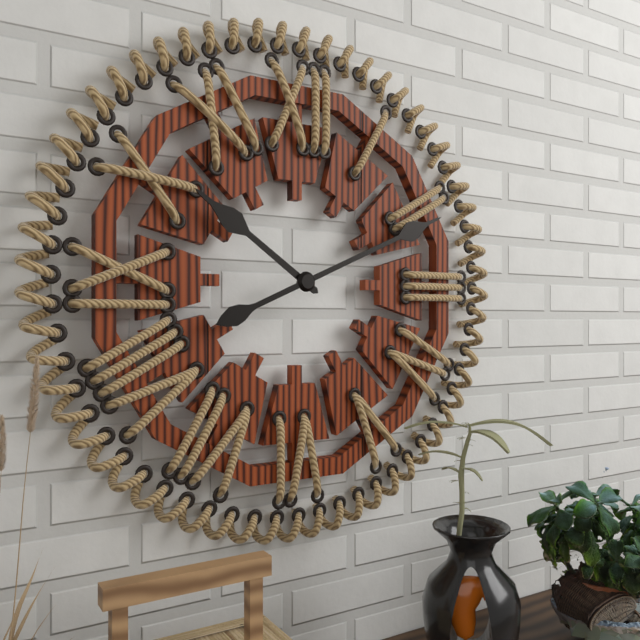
10:11
